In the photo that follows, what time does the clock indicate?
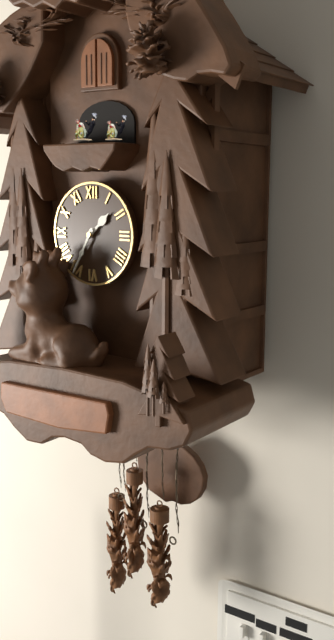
1:35
